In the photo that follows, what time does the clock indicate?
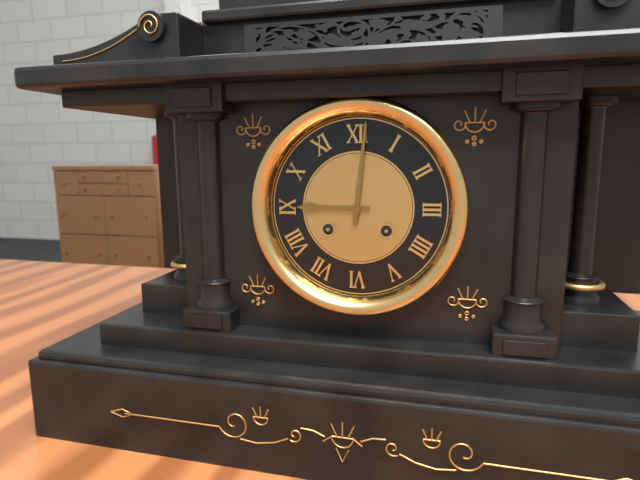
9:01
